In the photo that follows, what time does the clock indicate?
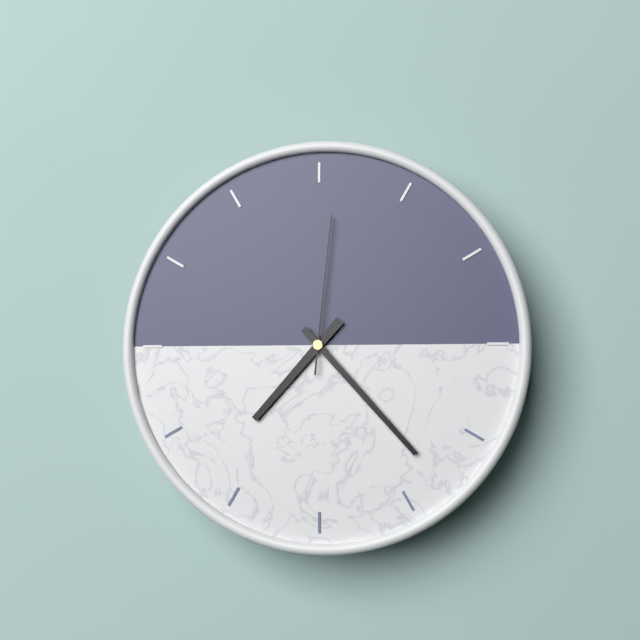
7:23:01
